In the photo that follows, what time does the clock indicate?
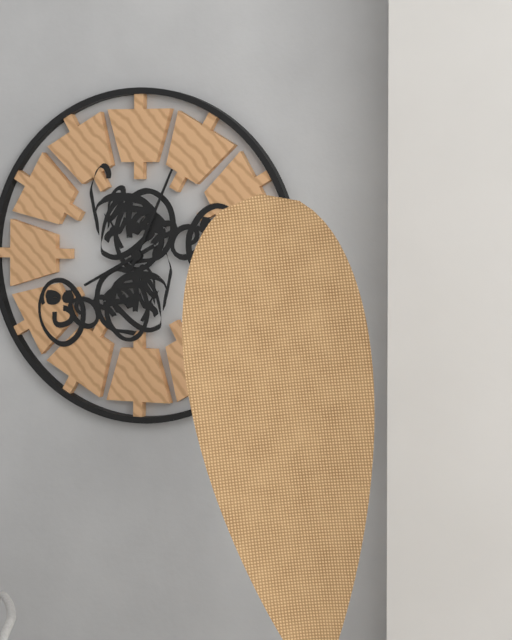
8:04
